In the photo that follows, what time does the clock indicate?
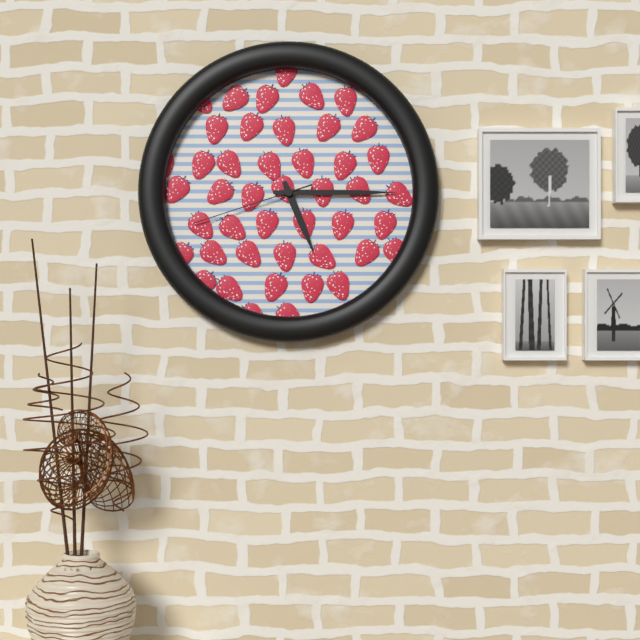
5:15:42
